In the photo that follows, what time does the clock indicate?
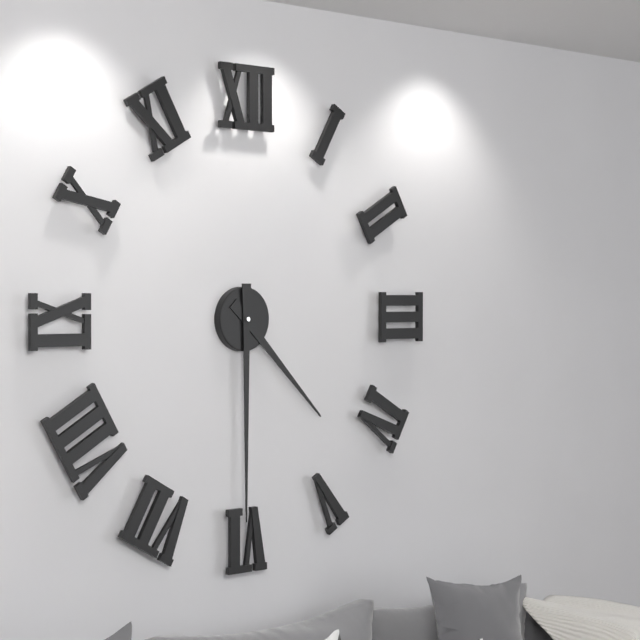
4:30
